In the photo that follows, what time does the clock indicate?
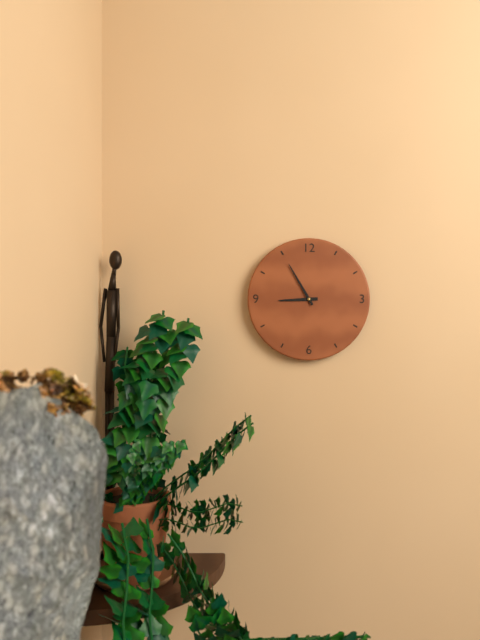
8:55
